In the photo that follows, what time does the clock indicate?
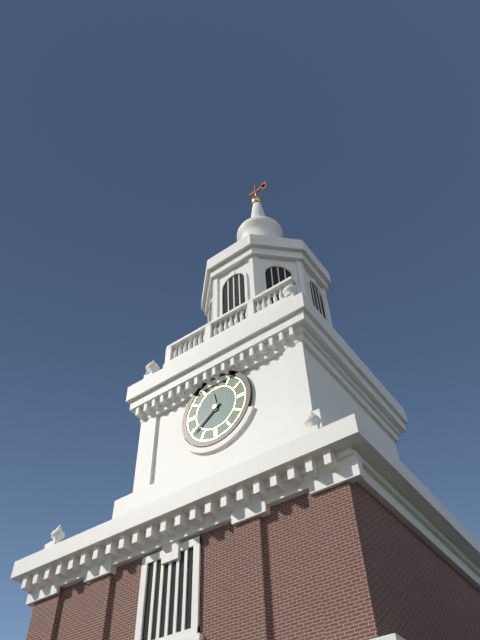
11:39
